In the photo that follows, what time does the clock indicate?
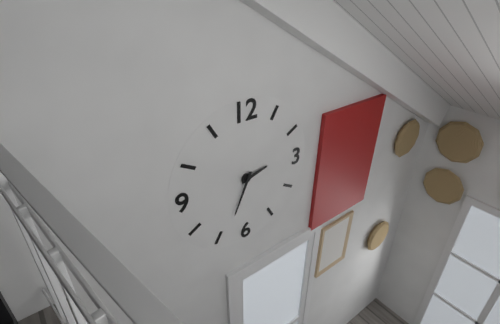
2:34
